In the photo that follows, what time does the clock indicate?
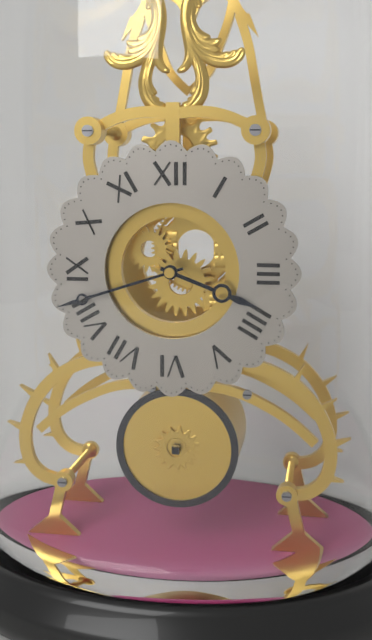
3:42
